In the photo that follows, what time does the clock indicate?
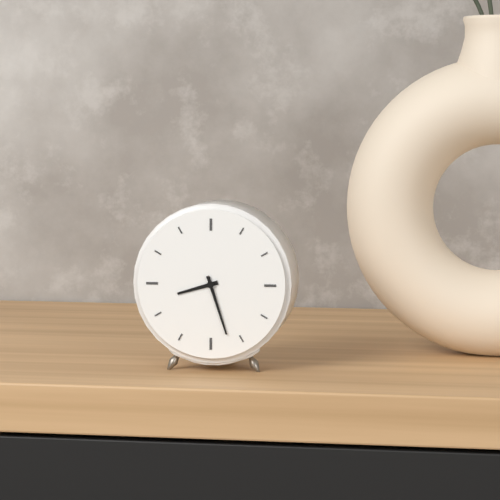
8:27
